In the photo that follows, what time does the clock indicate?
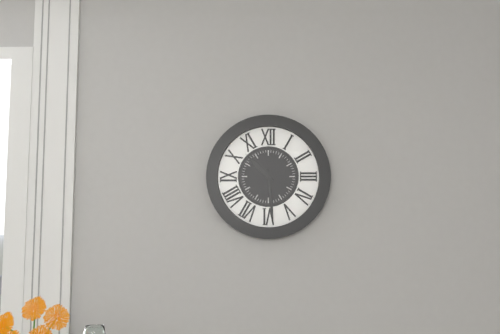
10:29
